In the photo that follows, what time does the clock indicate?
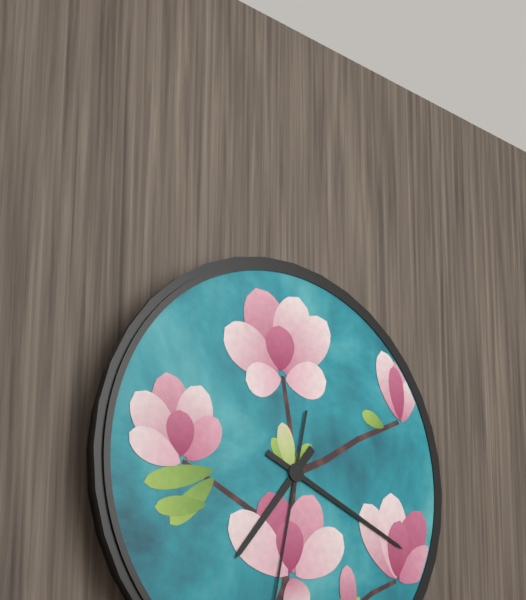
7:19
